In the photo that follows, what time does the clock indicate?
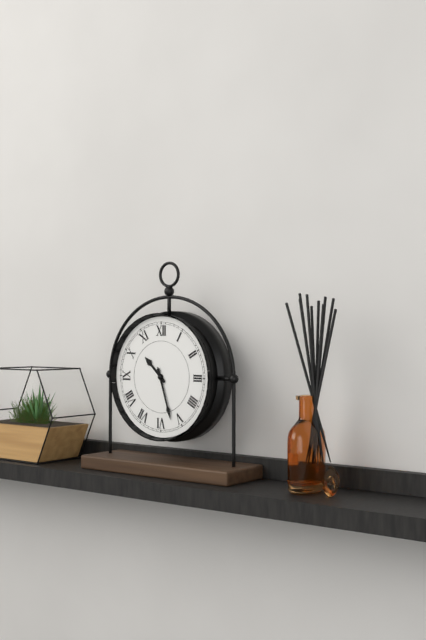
10:27
